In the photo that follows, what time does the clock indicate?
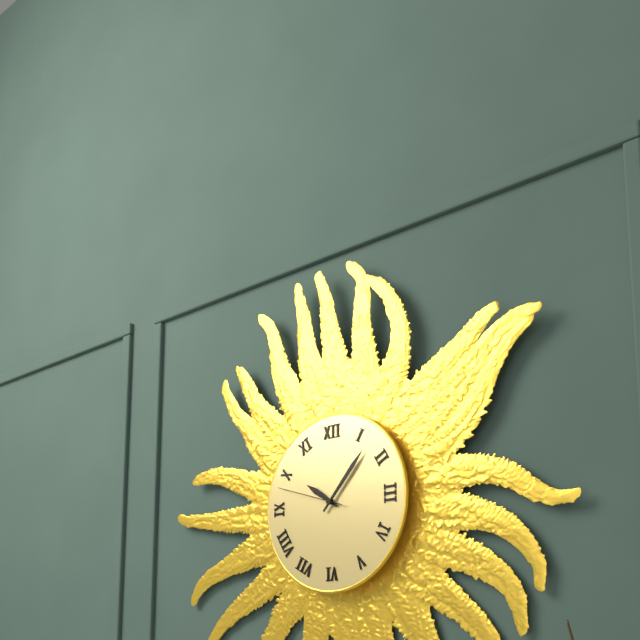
10:07:48
